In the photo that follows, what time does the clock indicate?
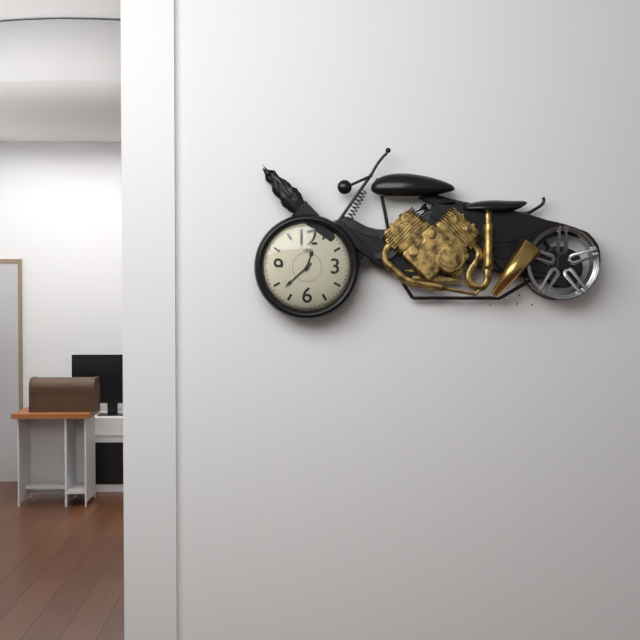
12:38
